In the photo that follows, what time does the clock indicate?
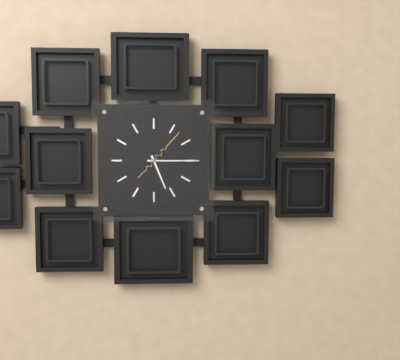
5:15
